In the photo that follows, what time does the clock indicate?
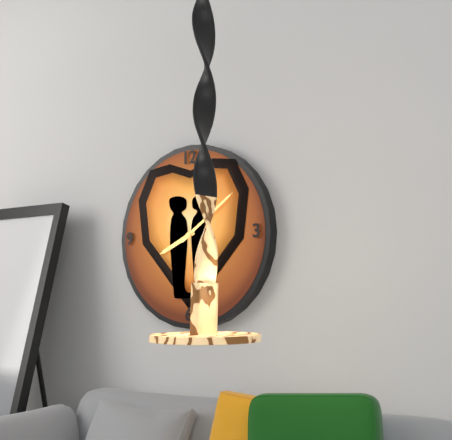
8:09
